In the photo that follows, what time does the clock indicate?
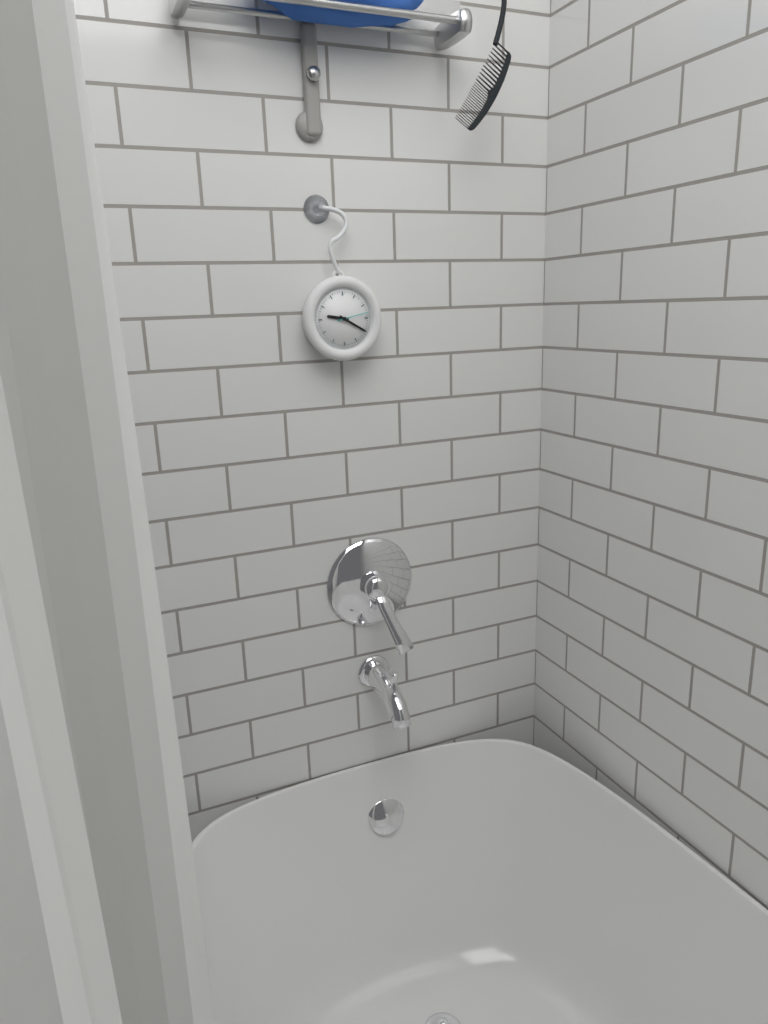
9:20
